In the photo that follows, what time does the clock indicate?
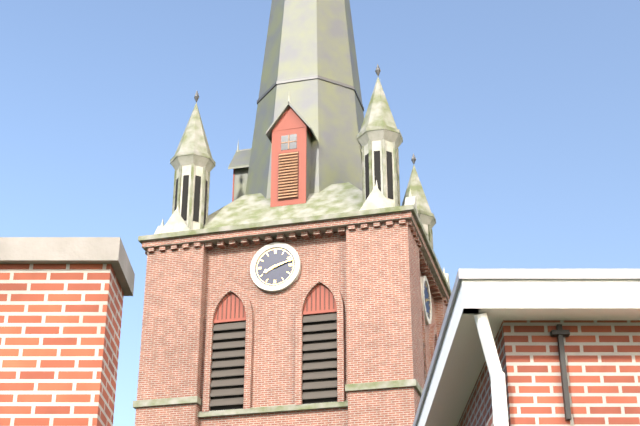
8:12
